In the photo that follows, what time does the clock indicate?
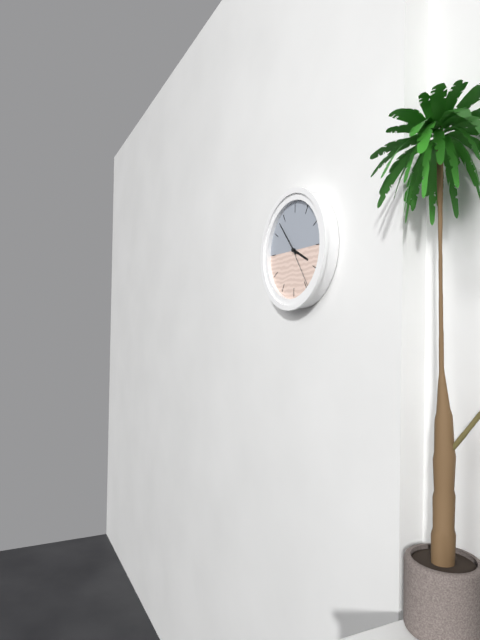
3:53
